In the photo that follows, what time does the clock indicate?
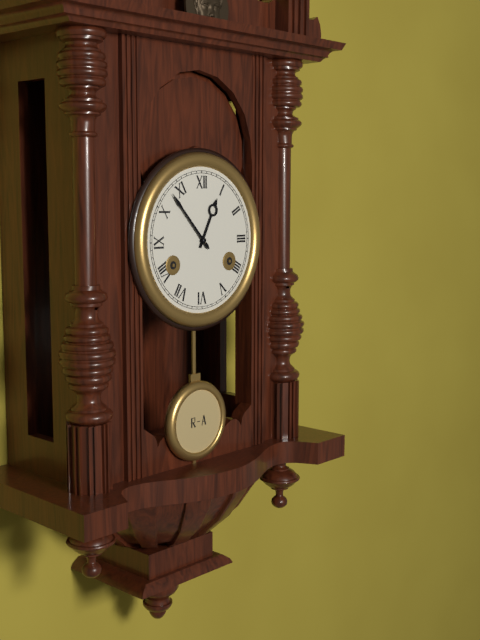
12:53
